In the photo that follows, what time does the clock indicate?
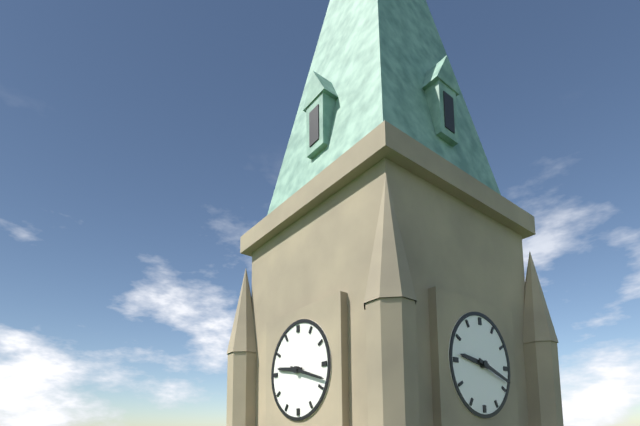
9:18
